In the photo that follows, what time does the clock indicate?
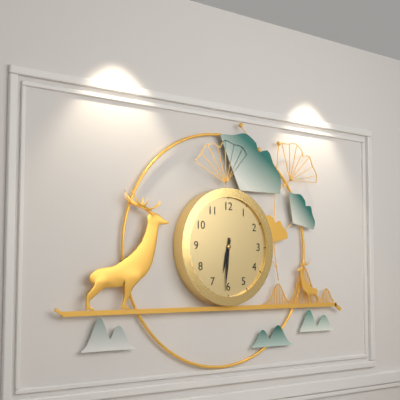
6:31
